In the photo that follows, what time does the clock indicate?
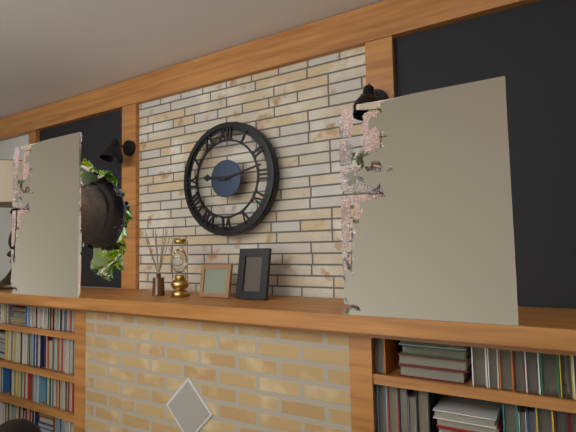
9:13
